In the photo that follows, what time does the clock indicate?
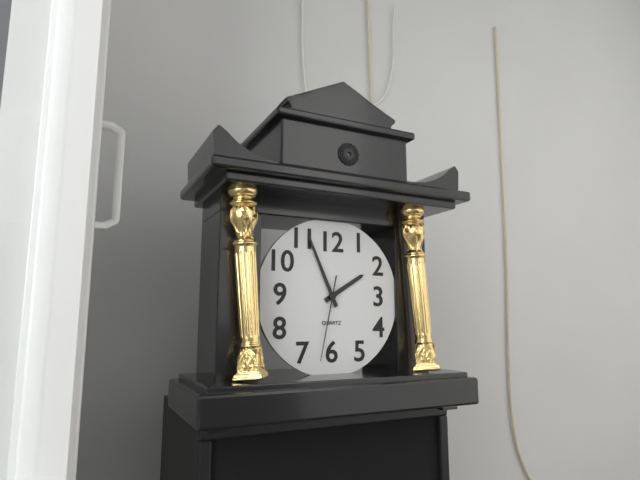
1:56:32
